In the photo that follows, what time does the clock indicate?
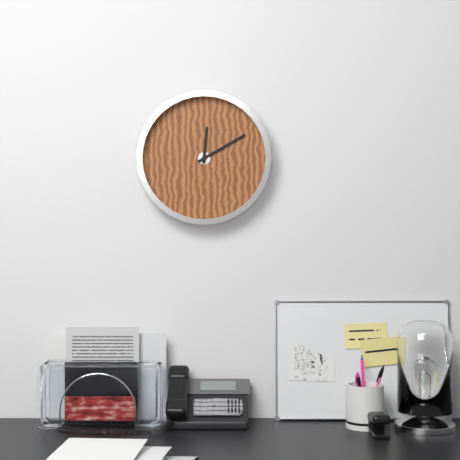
12:10
